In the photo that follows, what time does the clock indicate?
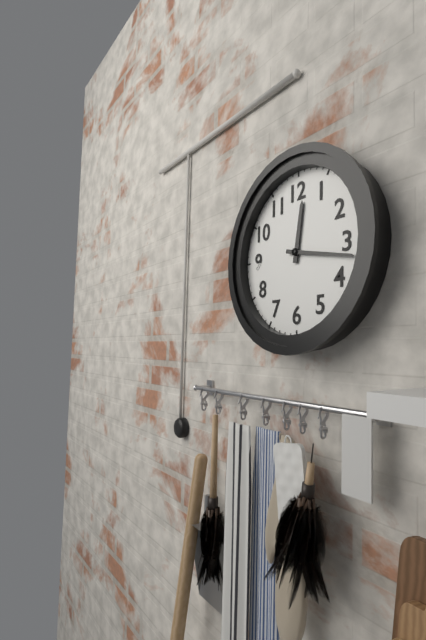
12:17
